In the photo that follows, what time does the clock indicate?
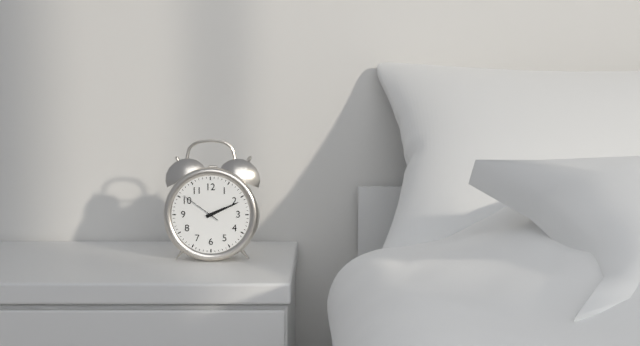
2:11
